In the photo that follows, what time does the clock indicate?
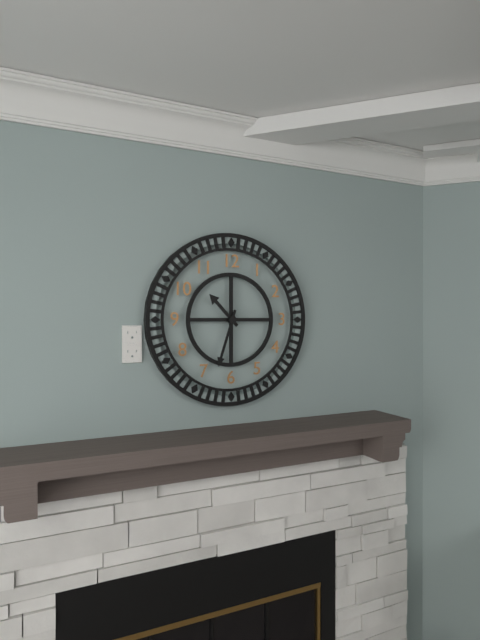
10:33
